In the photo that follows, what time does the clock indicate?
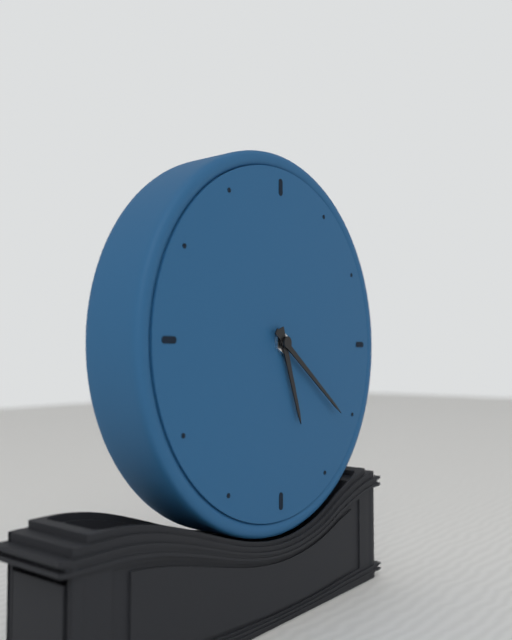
5:21
